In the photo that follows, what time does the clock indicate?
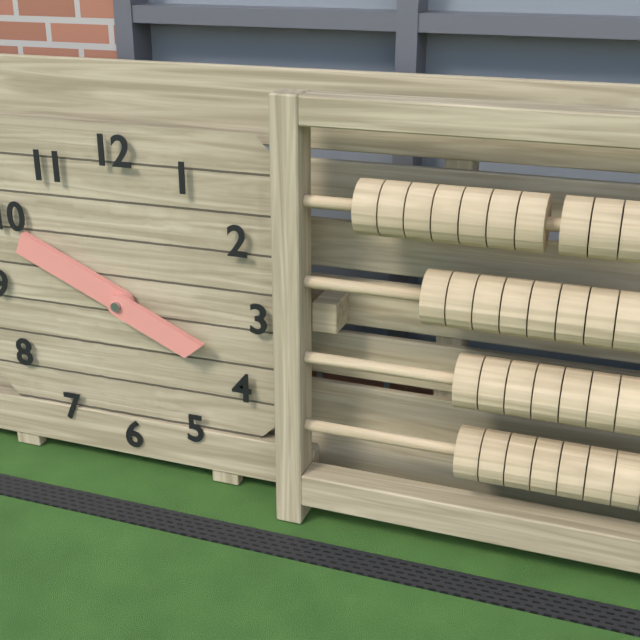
3:49
